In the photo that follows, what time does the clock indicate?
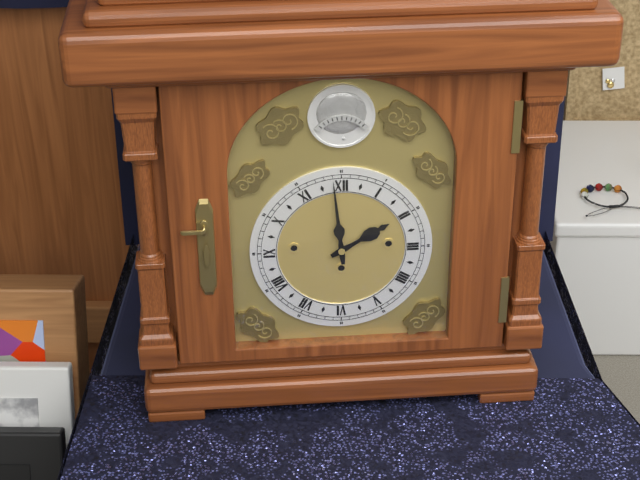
1:59
